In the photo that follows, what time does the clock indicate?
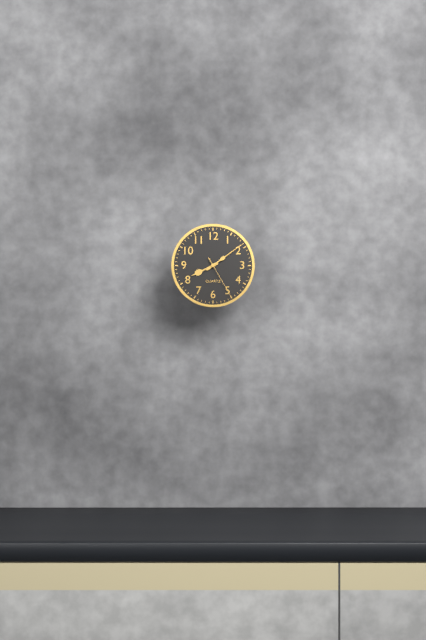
8:09
